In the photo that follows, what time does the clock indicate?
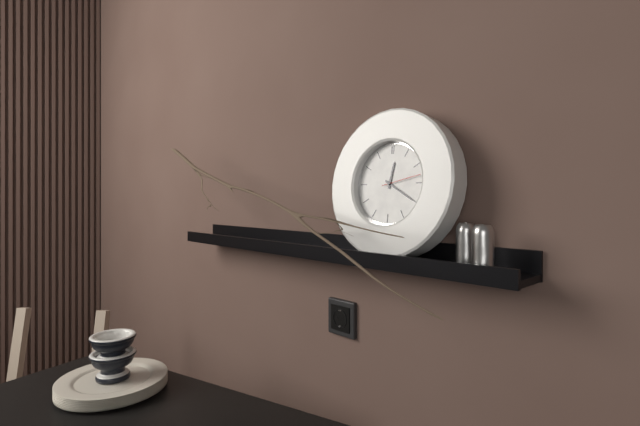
12:20
